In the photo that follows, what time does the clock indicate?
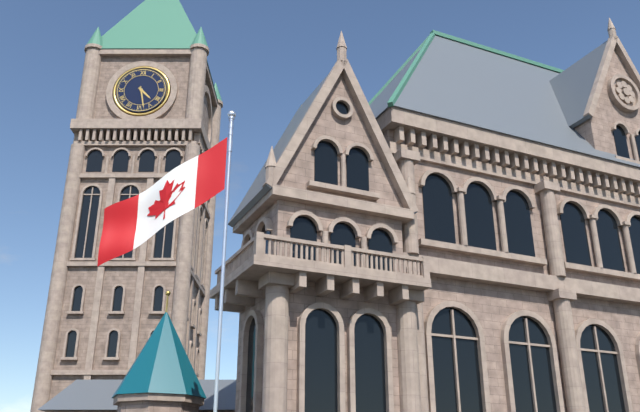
4:28
